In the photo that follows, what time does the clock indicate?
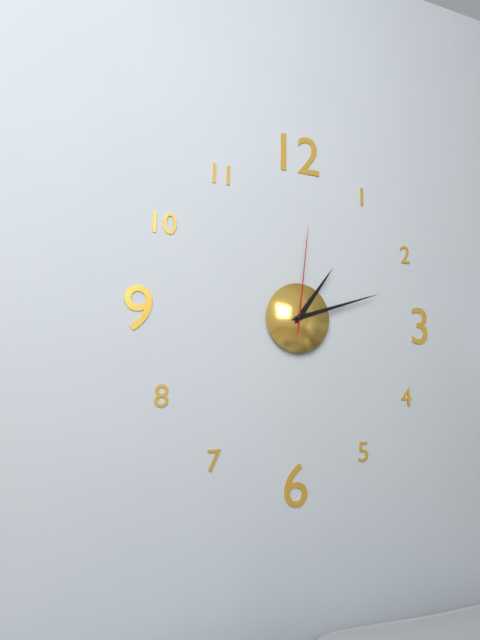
1:12:01
